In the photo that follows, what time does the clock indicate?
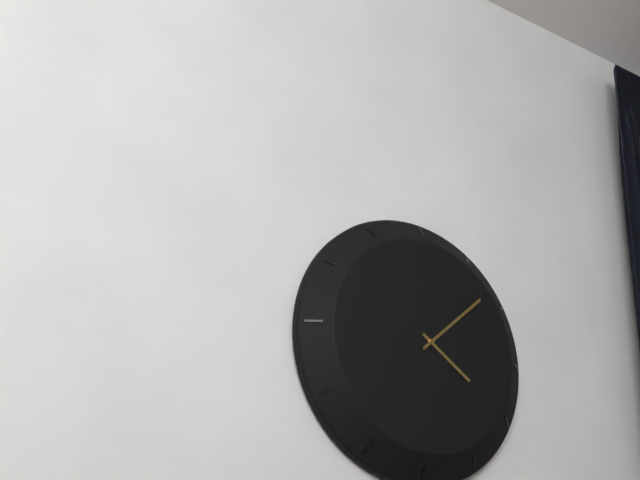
4:08
